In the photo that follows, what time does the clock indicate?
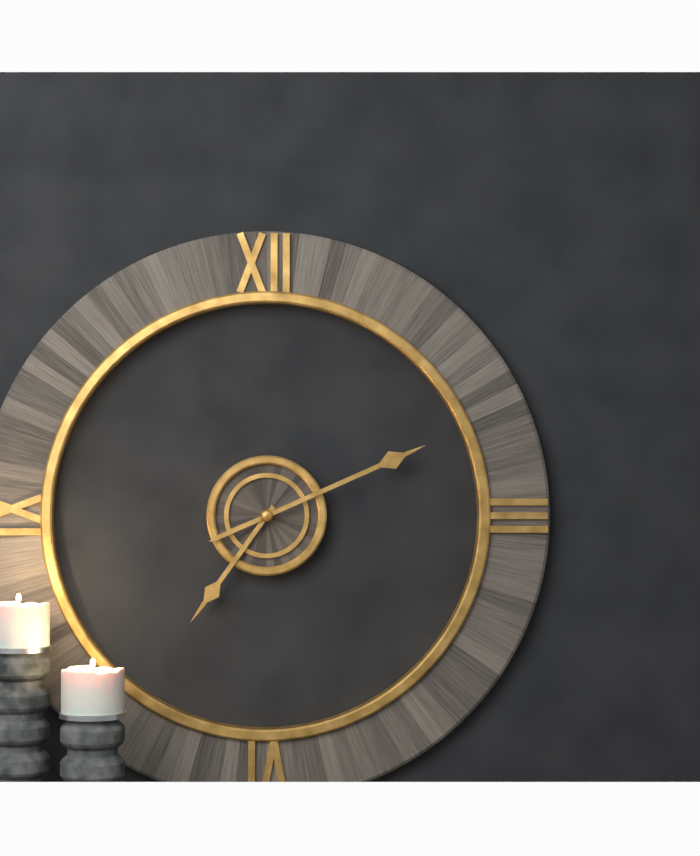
7:11
